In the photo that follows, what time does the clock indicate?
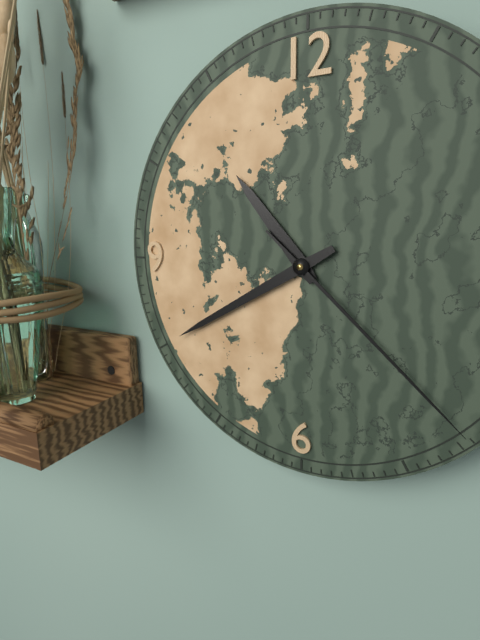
10:40:22
